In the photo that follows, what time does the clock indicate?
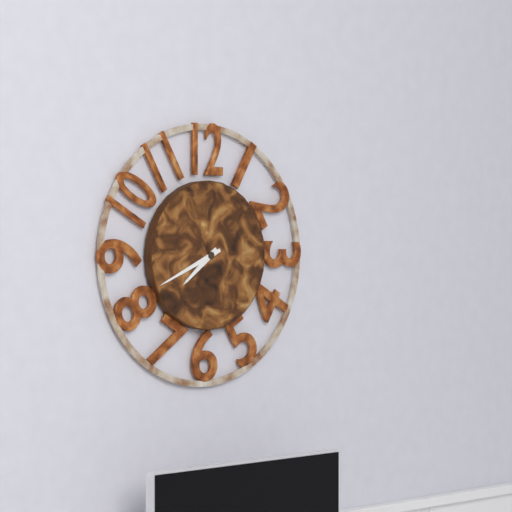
7:41
